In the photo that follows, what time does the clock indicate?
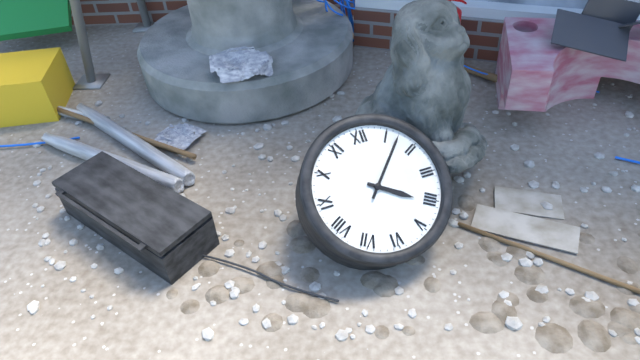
4:07
